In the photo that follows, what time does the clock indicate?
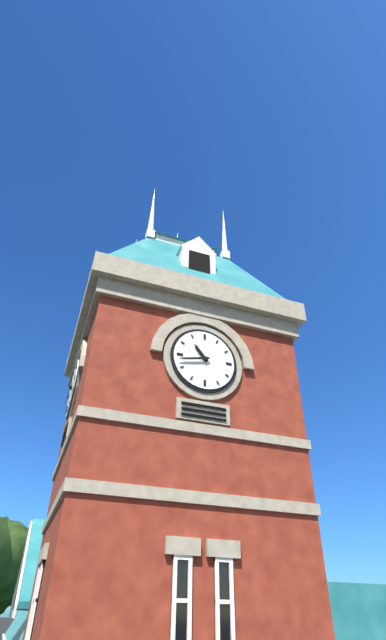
10:43
